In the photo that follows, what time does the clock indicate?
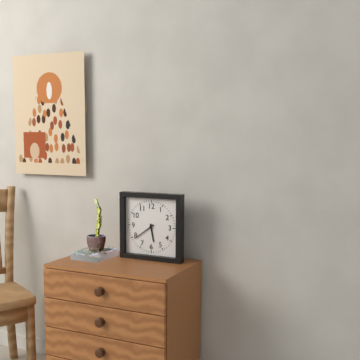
5:39
